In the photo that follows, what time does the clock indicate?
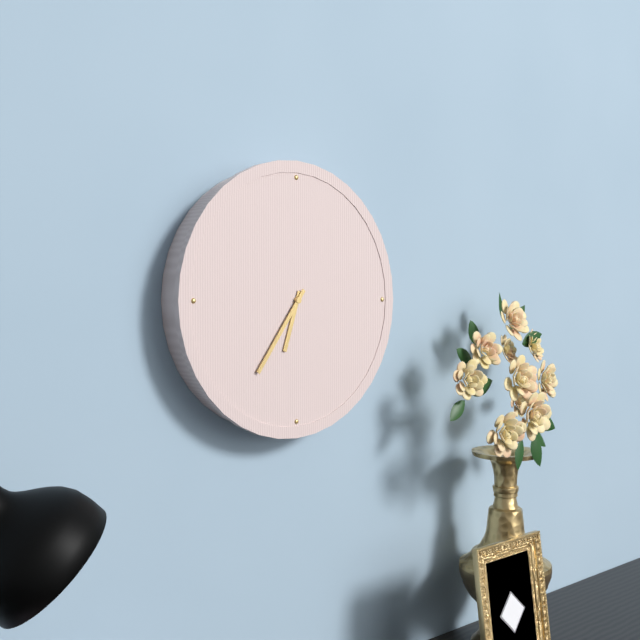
6:36
